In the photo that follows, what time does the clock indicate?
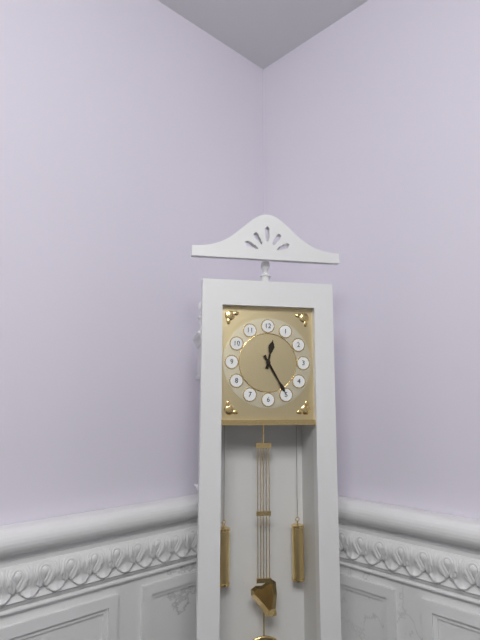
12:25
